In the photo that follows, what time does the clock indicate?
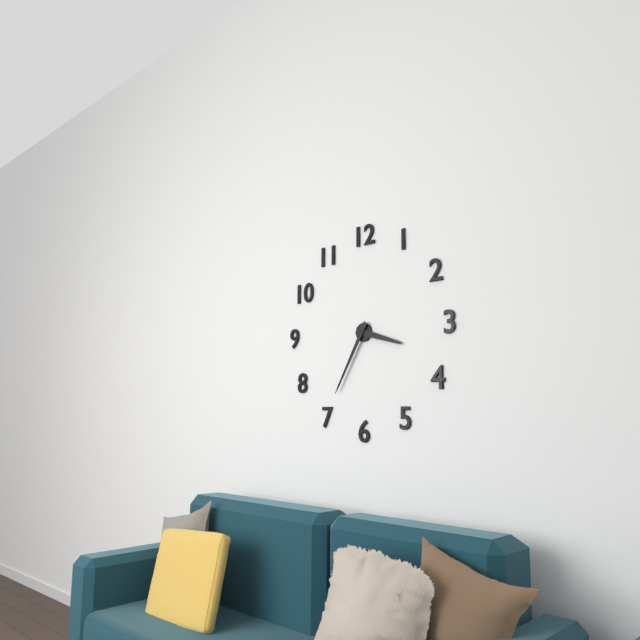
3:35
